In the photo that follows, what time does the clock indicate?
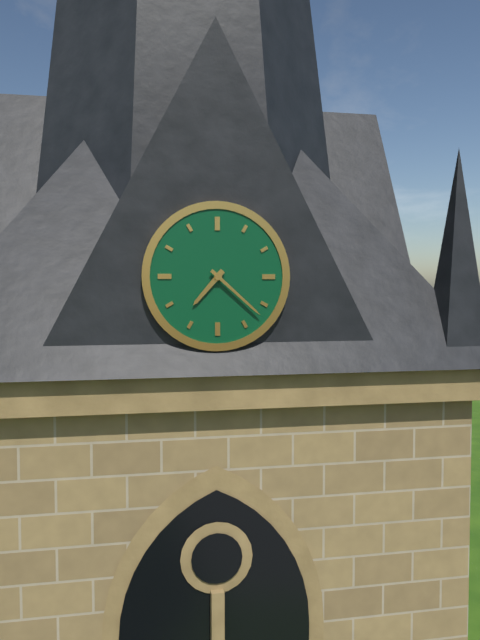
7:22
